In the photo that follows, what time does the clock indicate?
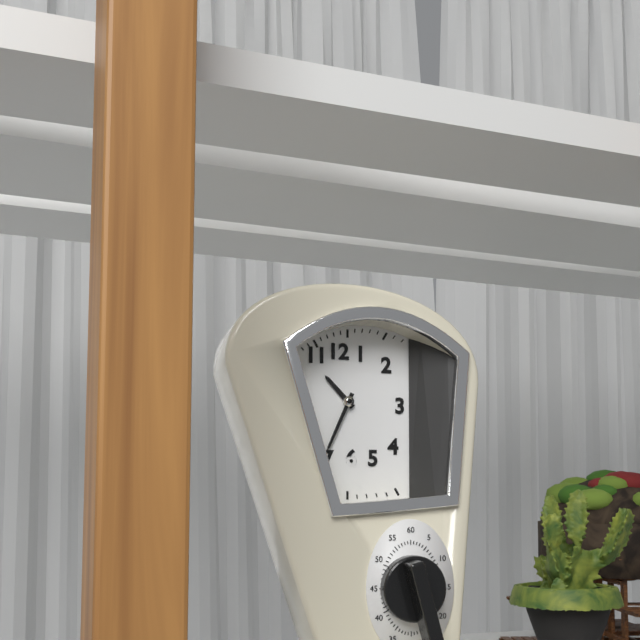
10:34
